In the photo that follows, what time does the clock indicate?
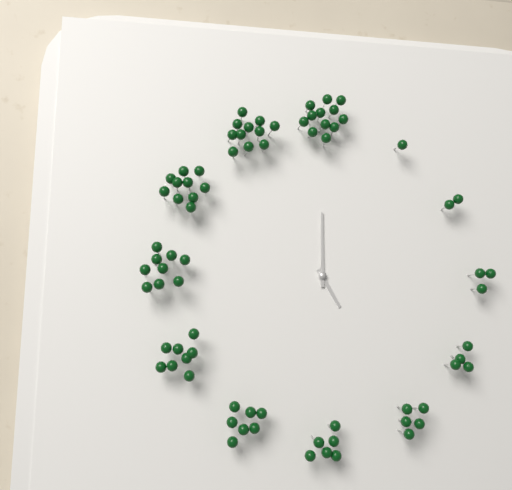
5:00
